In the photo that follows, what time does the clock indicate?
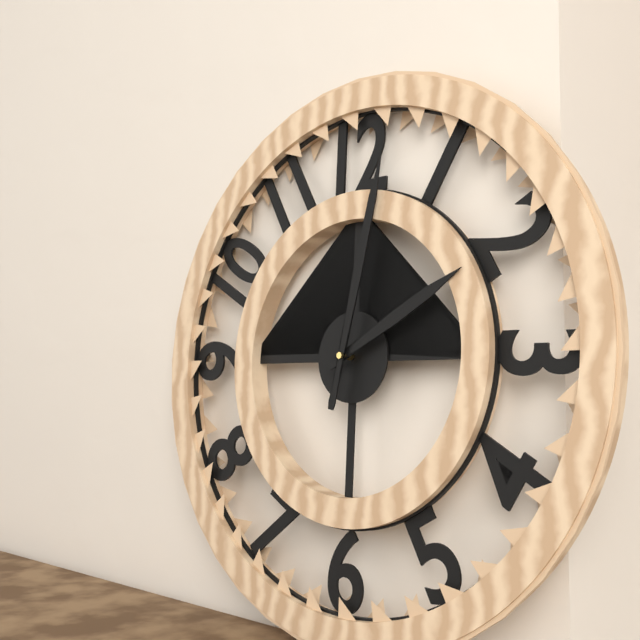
2:02
